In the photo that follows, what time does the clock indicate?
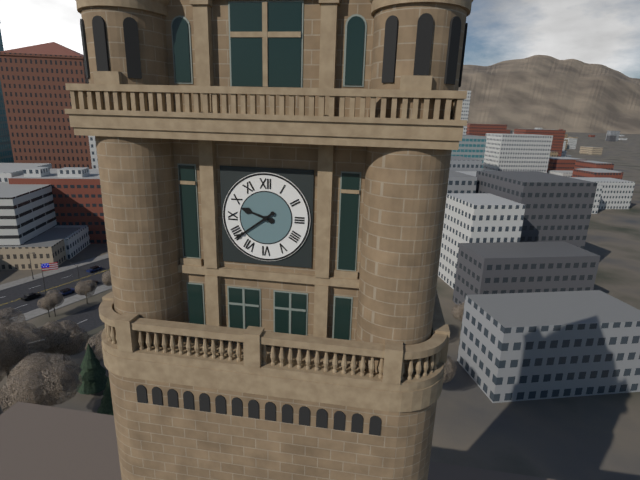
9:39
